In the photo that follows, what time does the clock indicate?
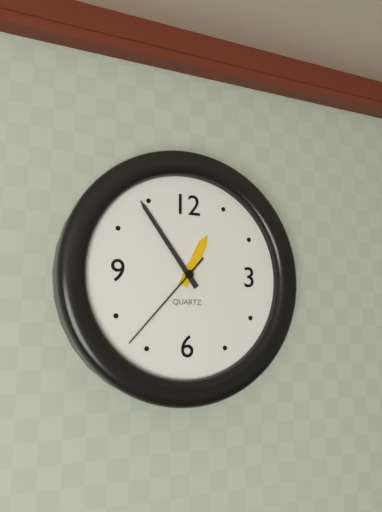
12:54:37
